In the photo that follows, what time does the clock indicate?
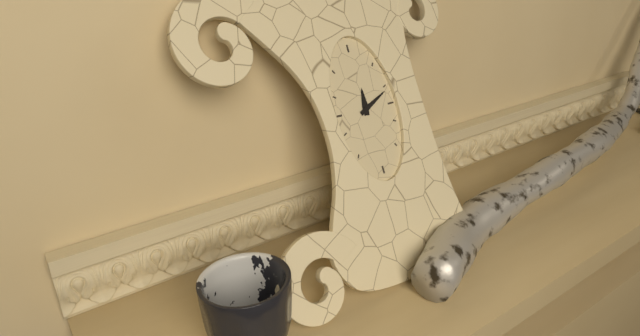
12:11
